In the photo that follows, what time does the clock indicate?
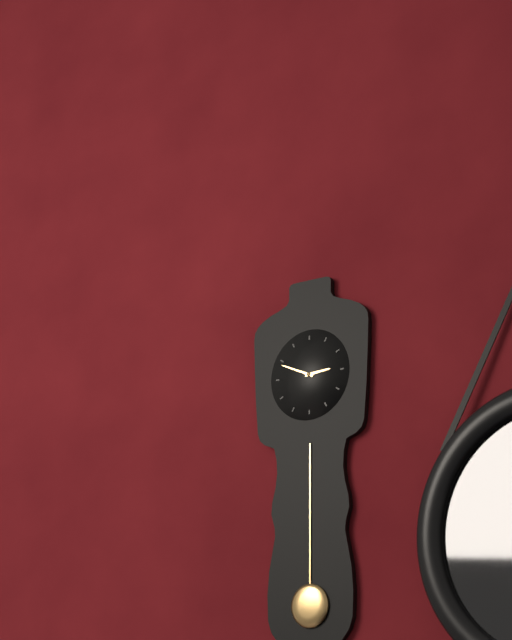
2:49
